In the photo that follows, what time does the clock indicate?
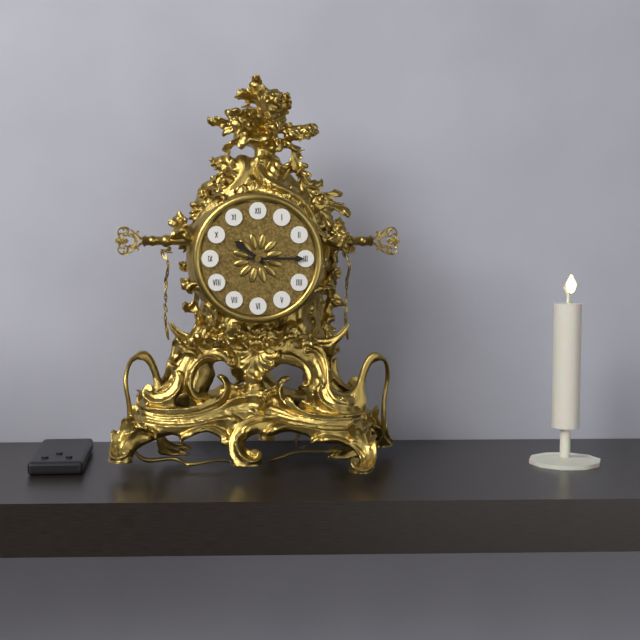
10:15
